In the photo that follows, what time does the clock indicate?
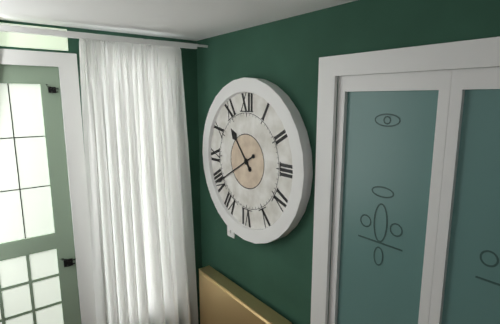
10:40
